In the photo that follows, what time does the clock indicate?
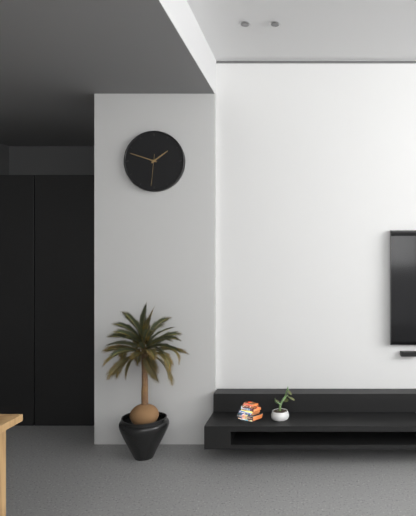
1:48
